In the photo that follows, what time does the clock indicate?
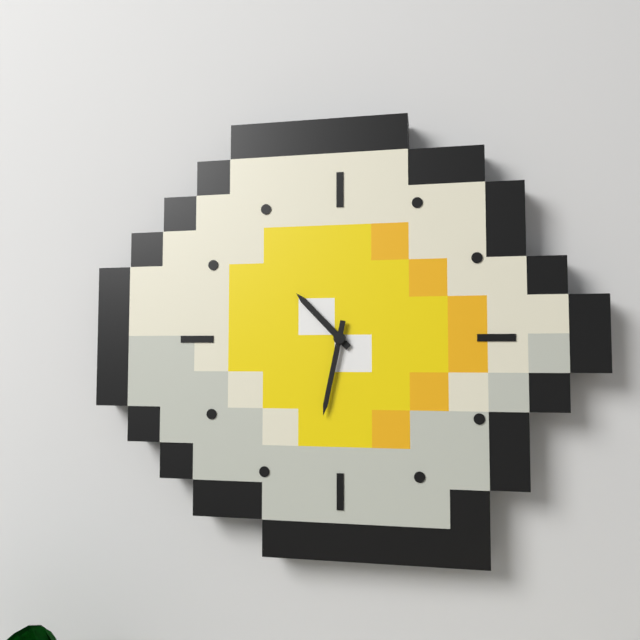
10:32
